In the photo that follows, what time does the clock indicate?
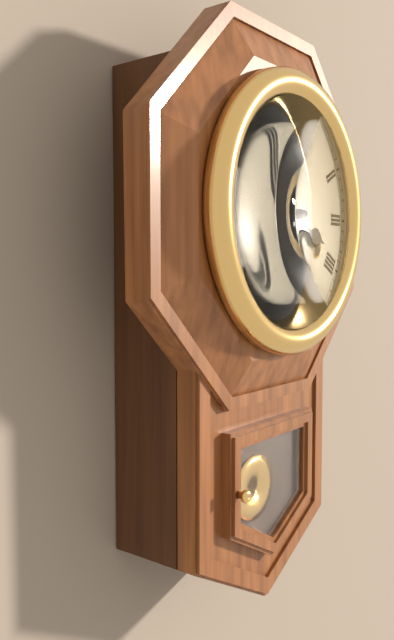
3:44
